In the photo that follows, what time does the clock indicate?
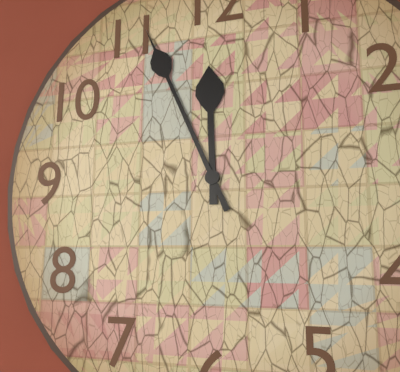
11:56
